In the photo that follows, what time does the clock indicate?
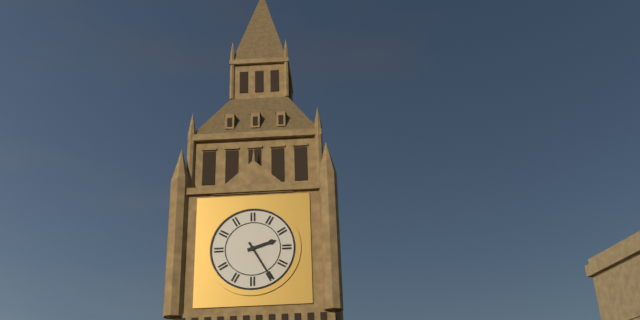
2:25
